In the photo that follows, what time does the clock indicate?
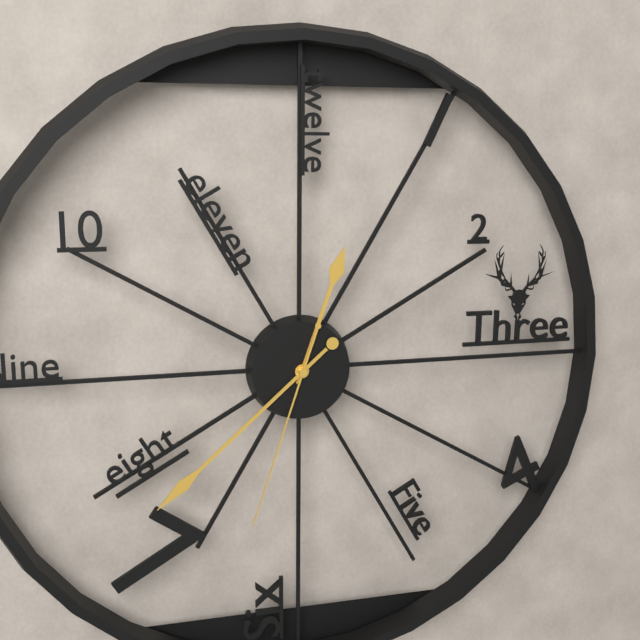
12:38:33
